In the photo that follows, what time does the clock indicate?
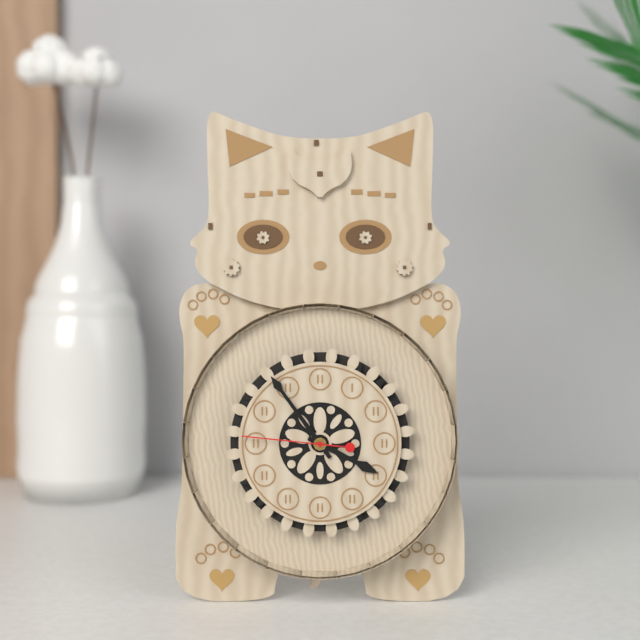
3:54:46
